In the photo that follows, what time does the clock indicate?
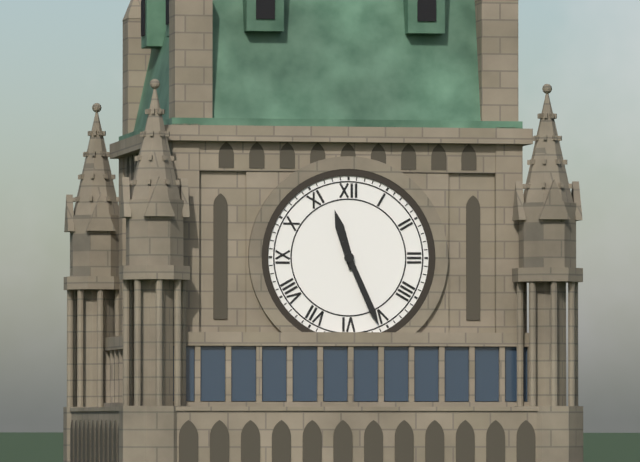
11:26
